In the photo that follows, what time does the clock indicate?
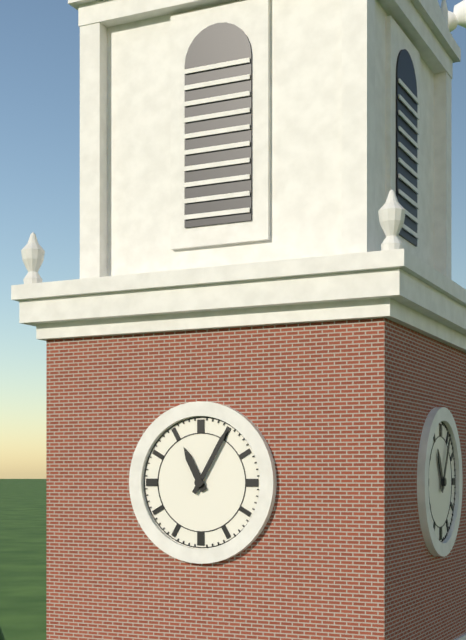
11:05
